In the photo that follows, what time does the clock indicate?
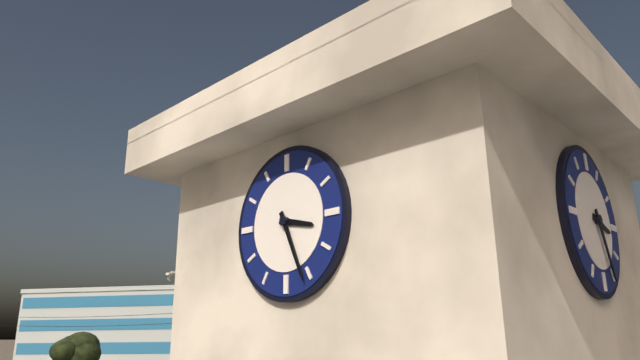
3:26
